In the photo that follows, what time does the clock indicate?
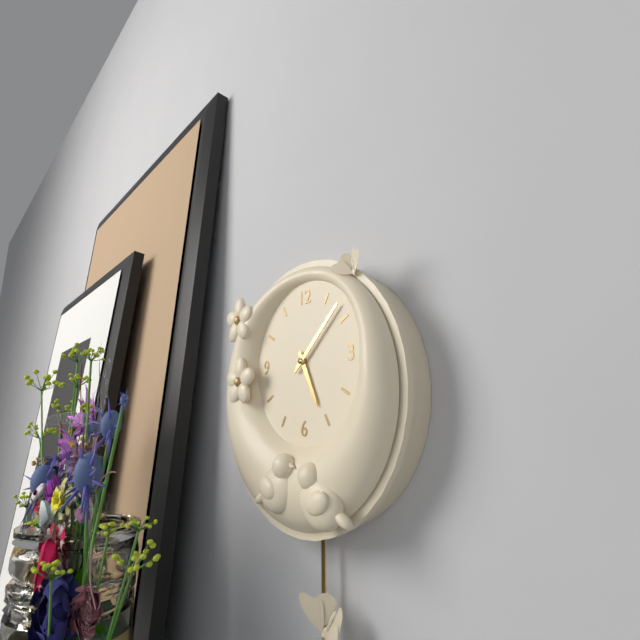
5:08
